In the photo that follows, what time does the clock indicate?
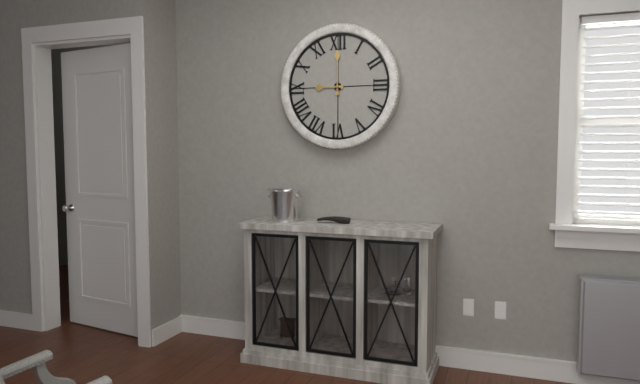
9:00
